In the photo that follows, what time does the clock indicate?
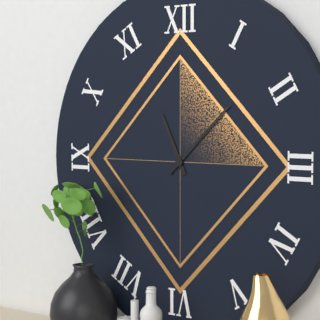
11:08
